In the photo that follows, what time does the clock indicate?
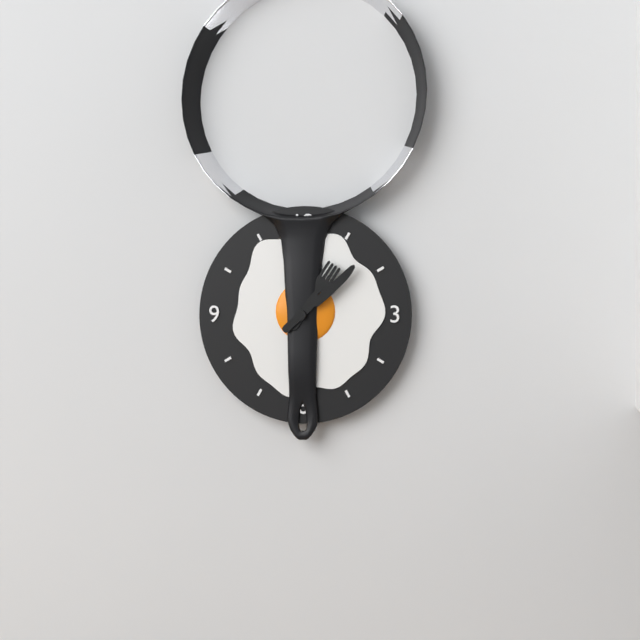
1:08
